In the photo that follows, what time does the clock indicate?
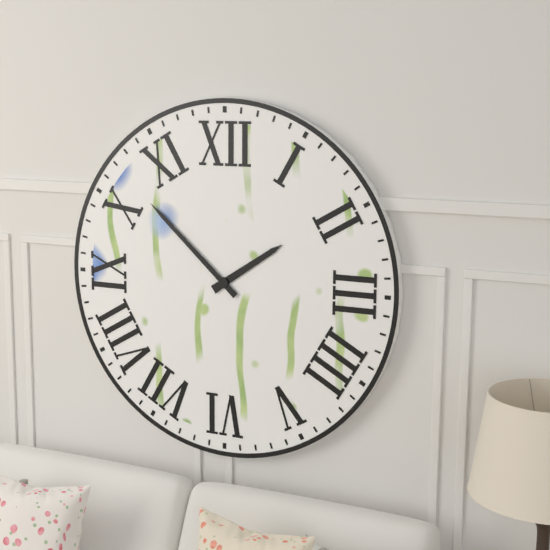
1:52
